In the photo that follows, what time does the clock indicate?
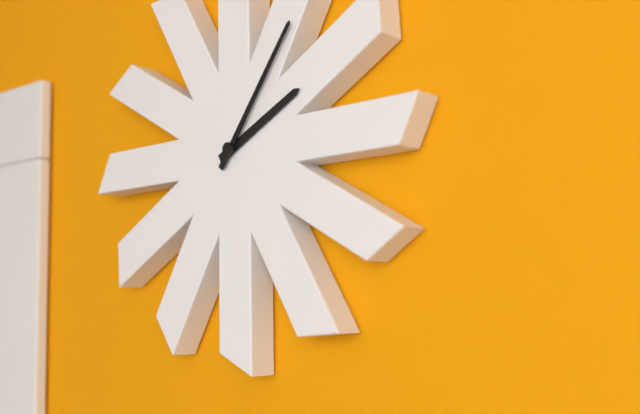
2:06
